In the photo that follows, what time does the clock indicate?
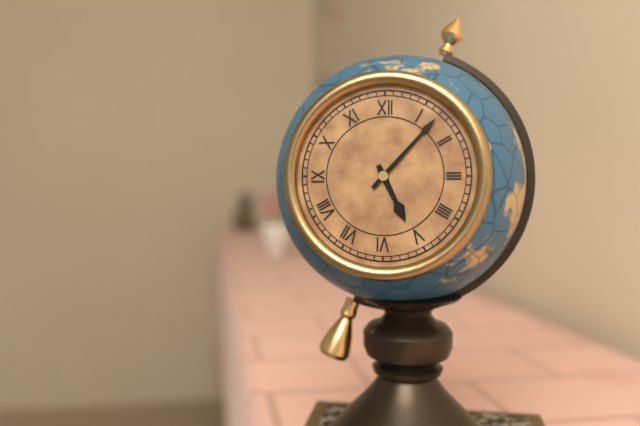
5:07
